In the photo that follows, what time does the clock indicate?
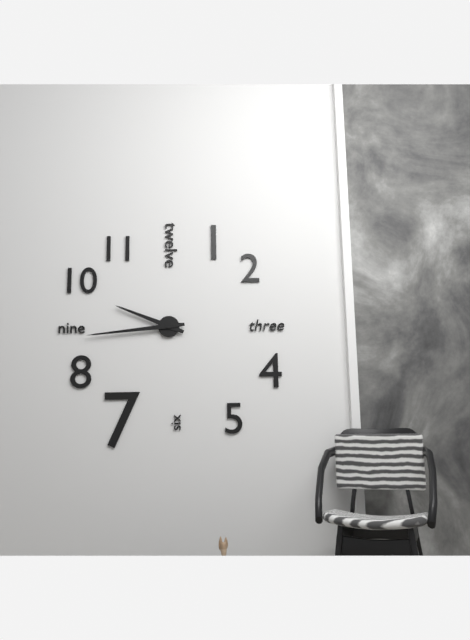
9:44
